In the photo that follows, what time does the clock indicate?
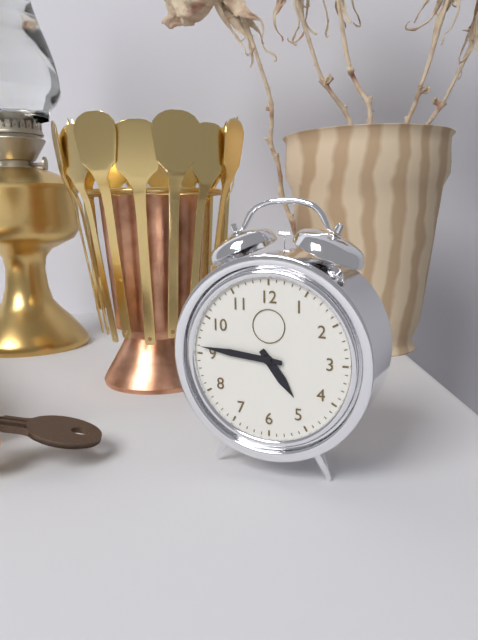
4:46
